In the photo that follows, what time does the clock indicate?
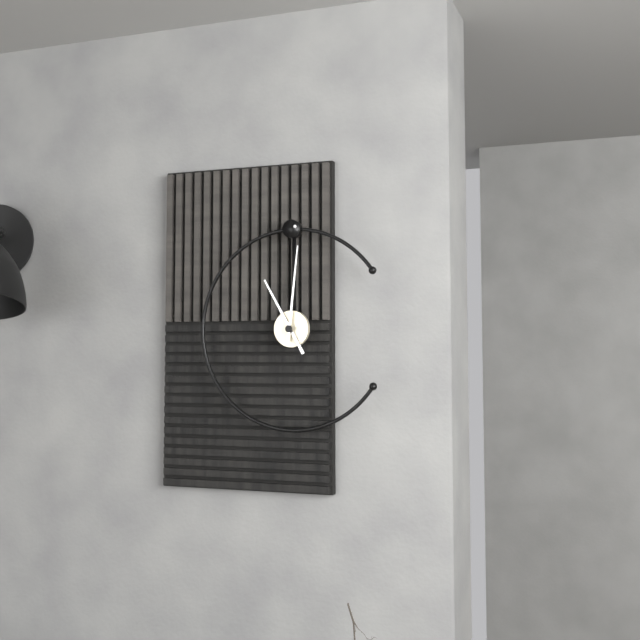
11:01
